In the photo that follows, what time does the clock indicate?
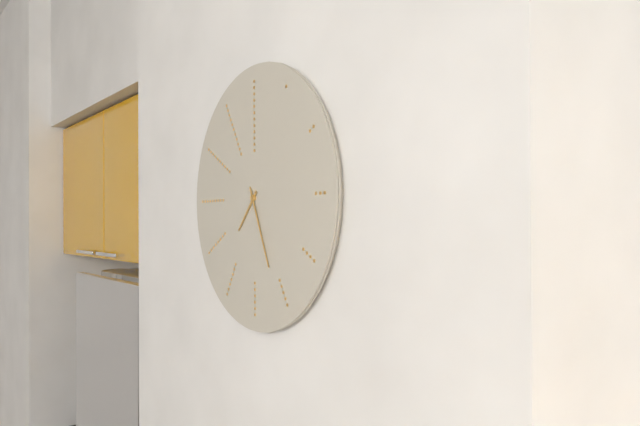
7:26
